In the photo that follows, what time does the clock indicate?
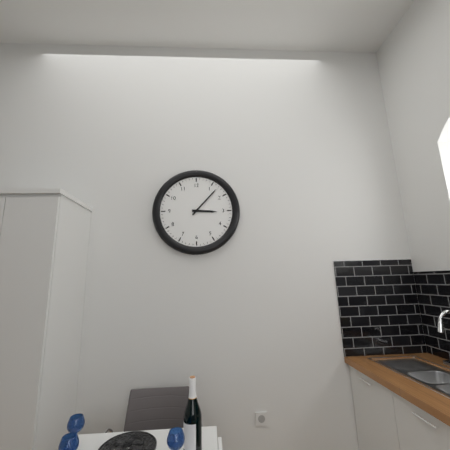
3:07
